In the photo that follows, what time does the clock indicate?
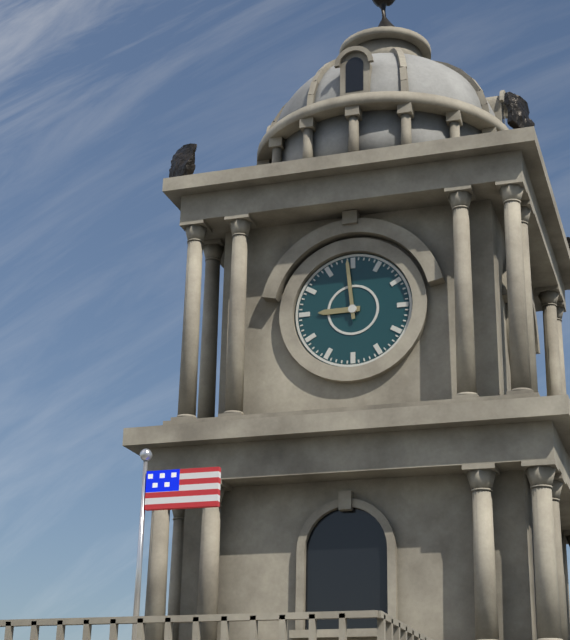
8:59
